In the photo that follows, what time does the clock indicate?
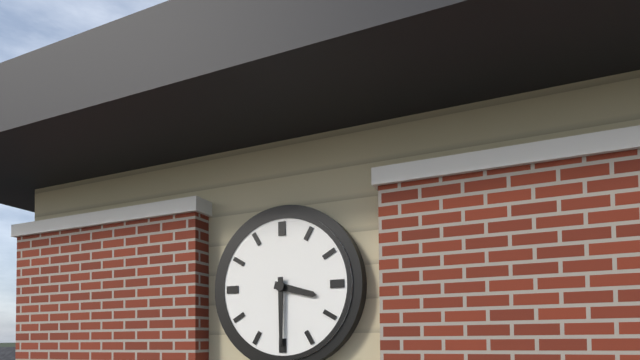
3:30
